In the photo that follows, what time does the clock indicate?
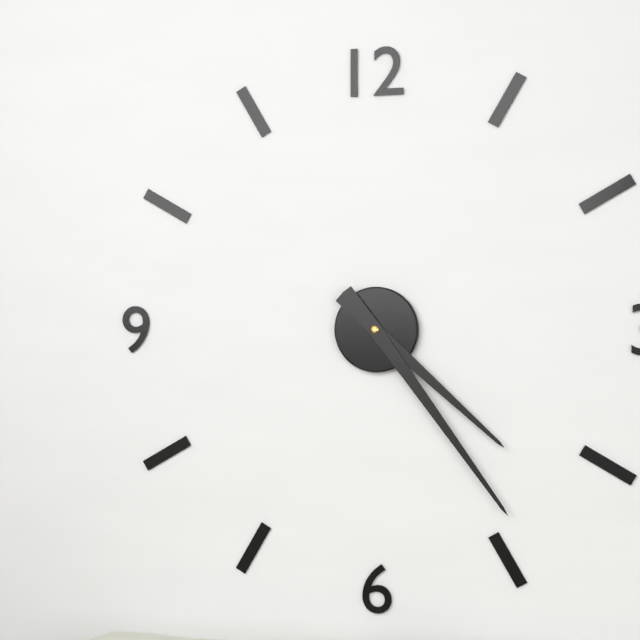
4:24
